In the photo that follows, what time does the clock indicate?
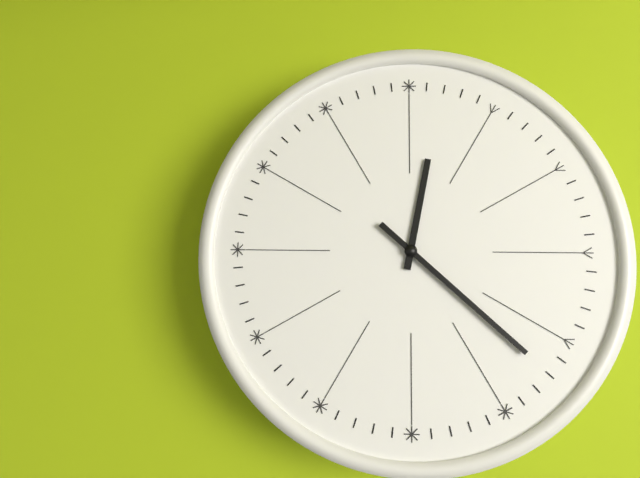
12:22
